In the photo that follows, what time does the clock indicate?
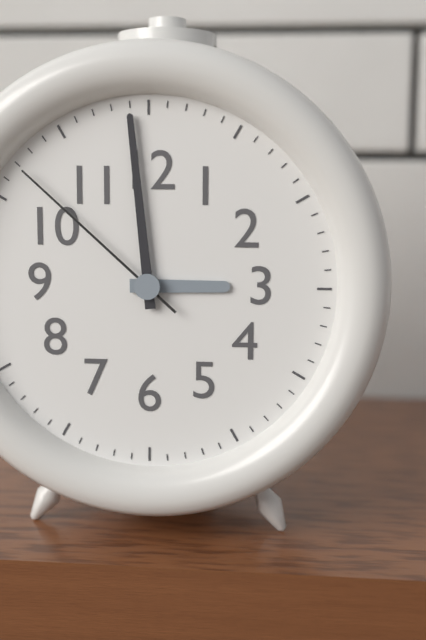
2:59:52
